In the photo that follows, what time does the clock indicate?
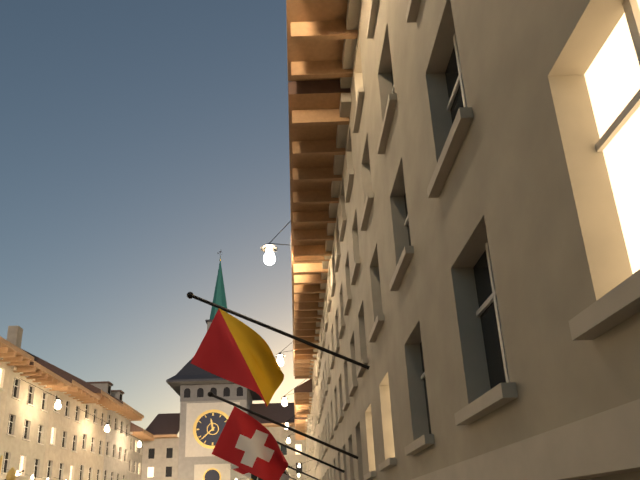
11:38
